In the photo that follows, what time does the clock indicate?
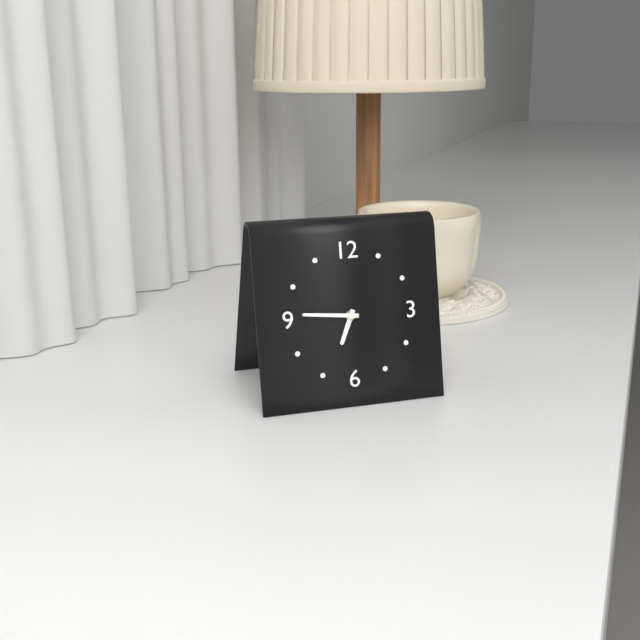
6:46
